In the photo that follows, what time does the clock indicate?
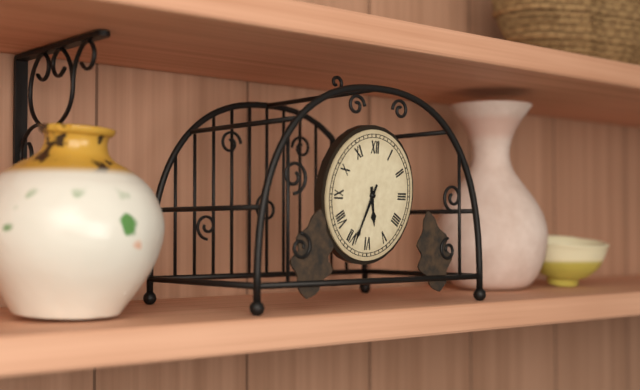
5:34
